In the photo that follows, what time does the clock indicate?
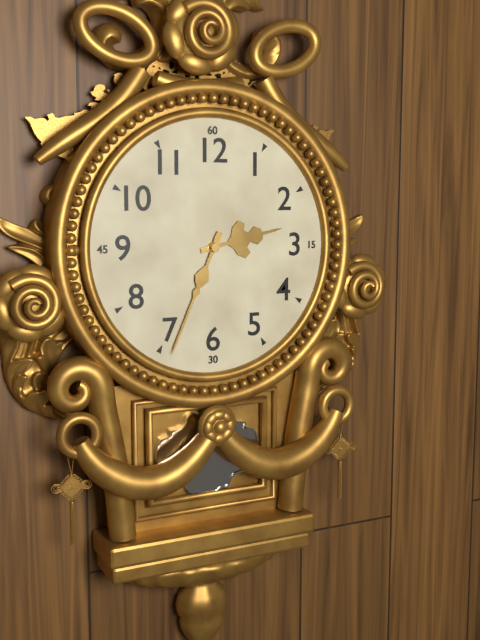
2:34
